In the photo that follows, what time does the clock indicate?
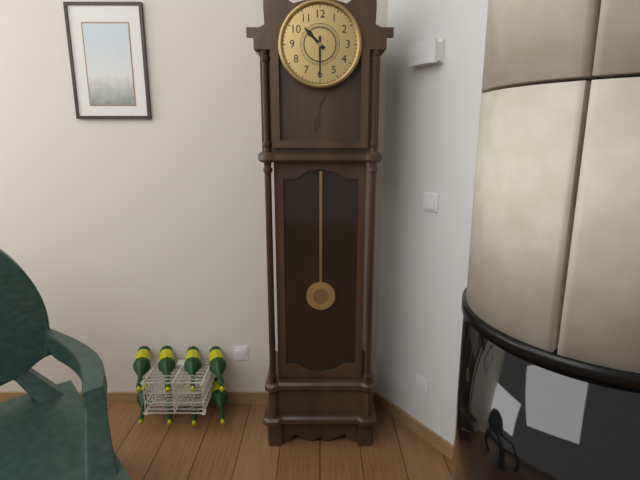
10:30
